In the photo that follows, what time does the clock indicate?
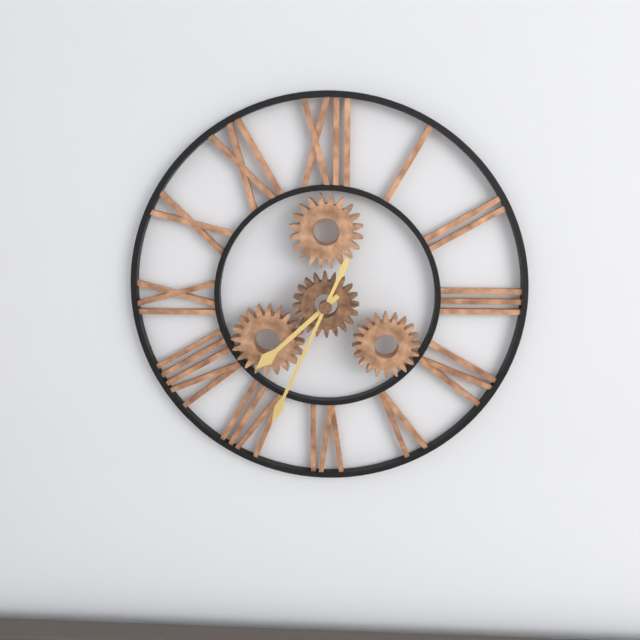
7:34
